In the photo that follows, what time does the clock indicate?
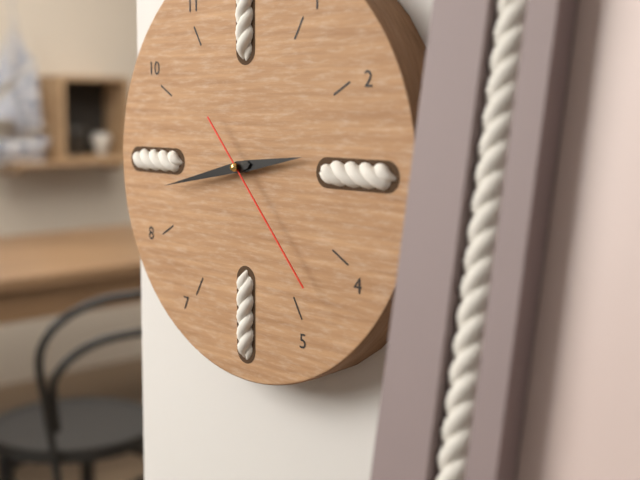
2:43:23
